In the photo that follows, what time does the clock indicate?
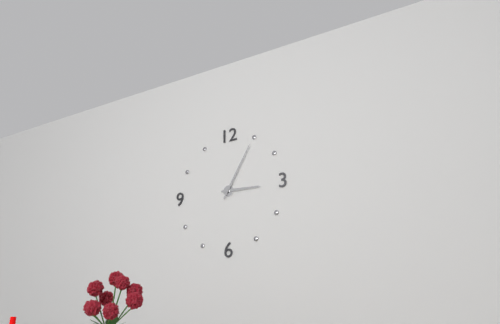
3:05
